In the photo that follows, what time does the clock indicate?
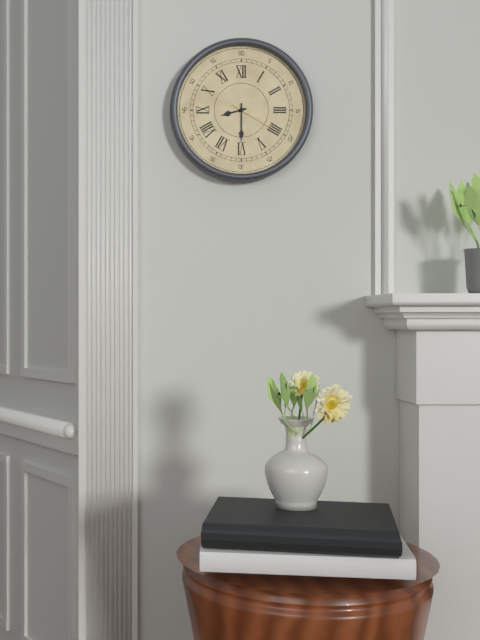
8:30
